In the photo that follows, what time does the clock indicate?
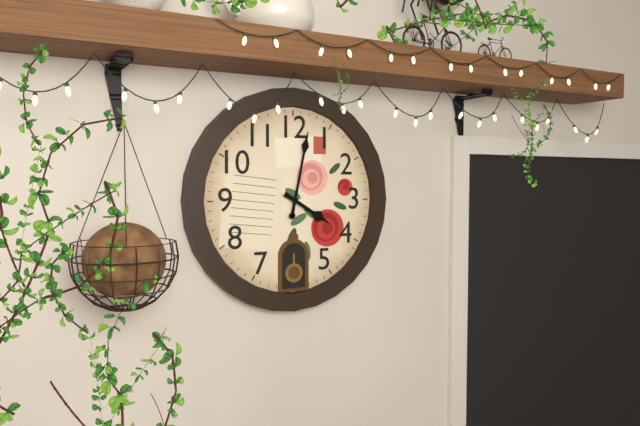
4:02
